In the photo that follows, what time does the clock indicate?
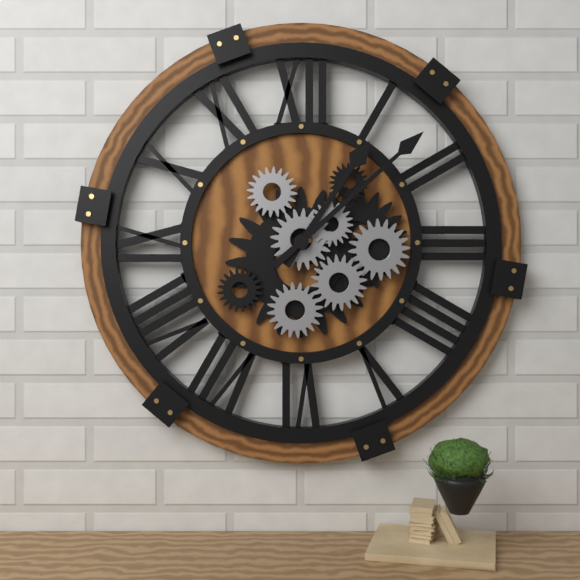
1:08
